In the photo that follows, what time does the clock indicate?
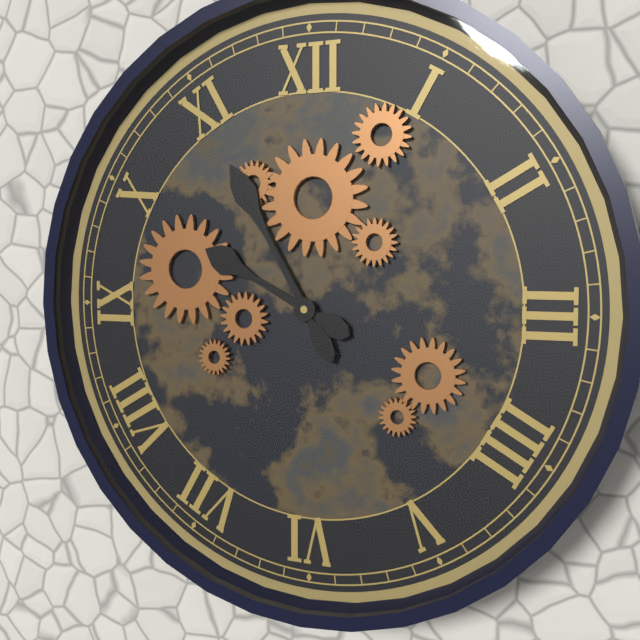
9:55
